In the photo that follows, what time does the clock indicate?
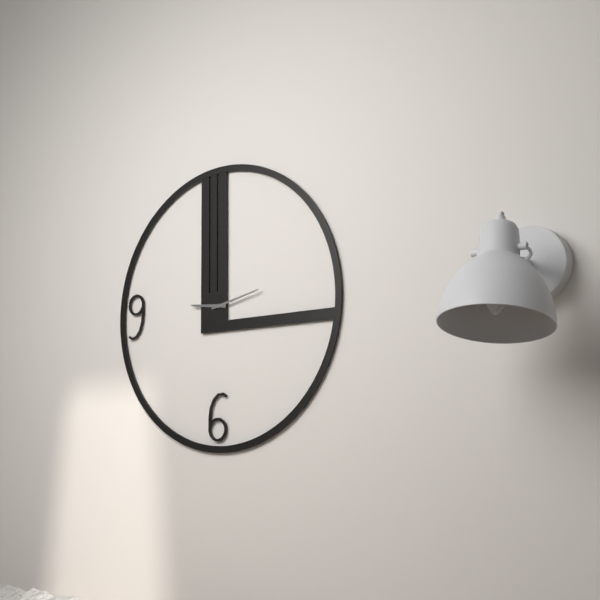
9:13
